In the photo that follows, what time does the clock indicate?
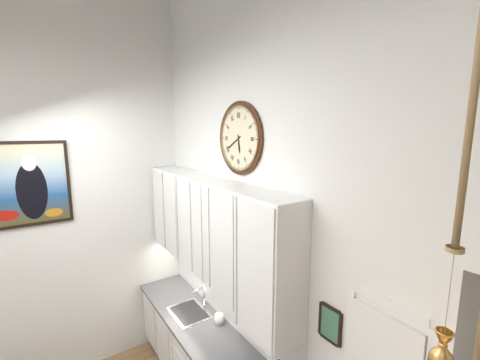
5:40
